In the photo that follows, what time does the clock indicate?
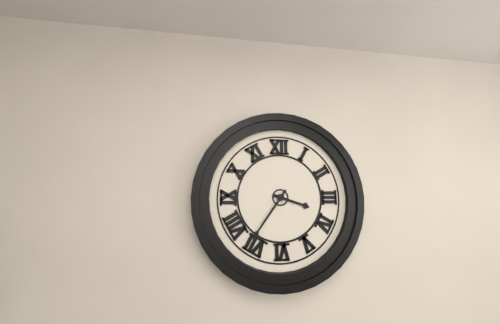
3:36
